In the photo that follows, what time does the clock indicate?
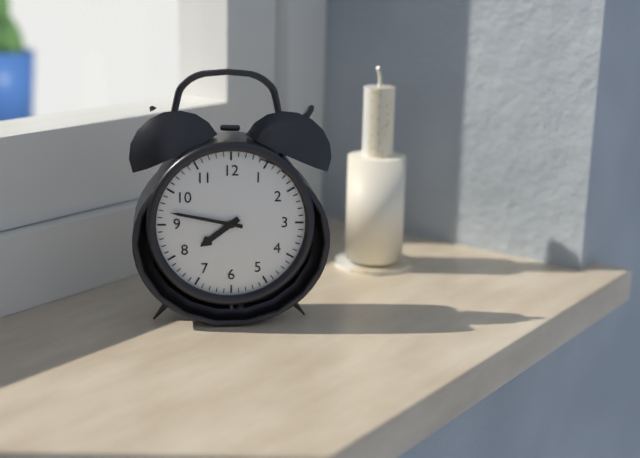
7:47
